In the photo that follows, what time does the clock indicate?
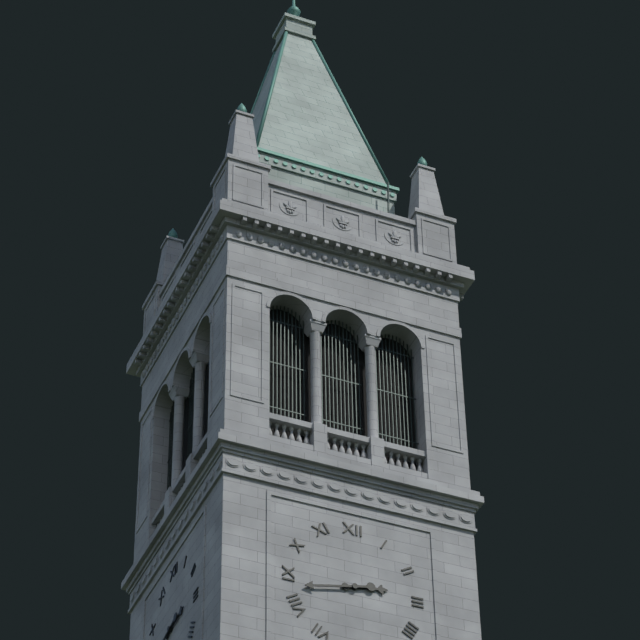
2:43
